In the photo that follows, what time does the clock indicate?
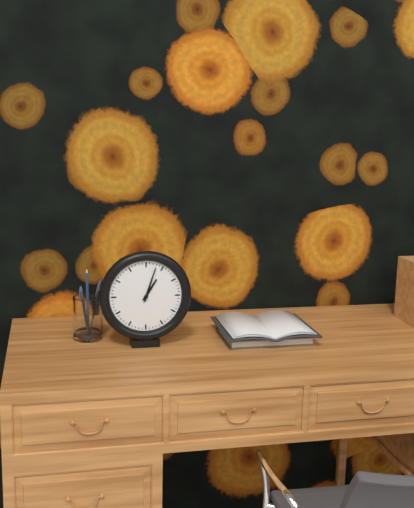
1:03
